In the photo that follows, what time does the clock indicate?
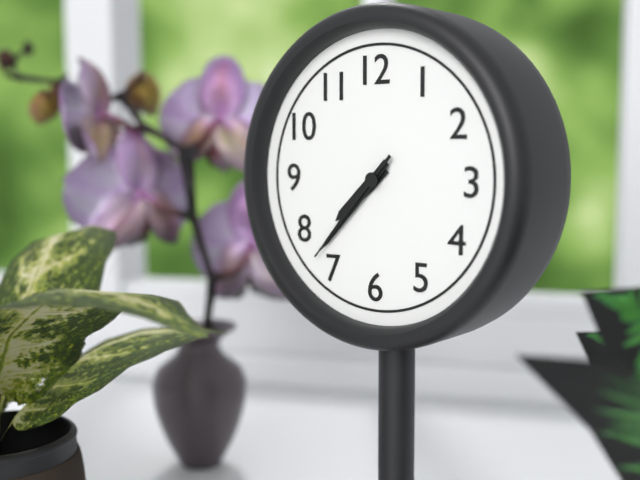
7:37:37
